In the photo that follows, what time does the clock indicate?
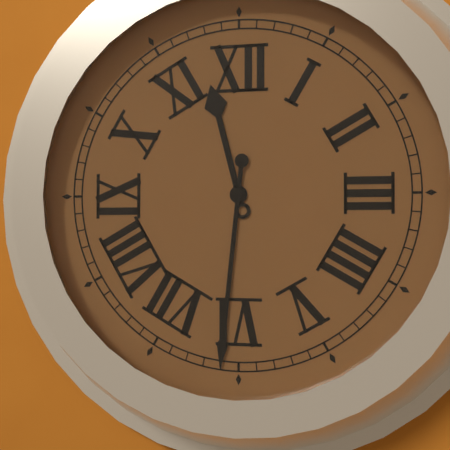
11:31
